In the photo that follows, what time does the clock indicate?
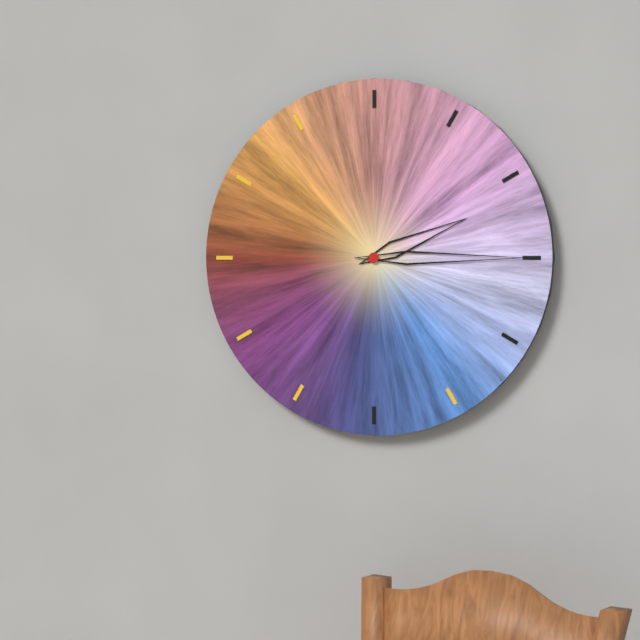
2:15
